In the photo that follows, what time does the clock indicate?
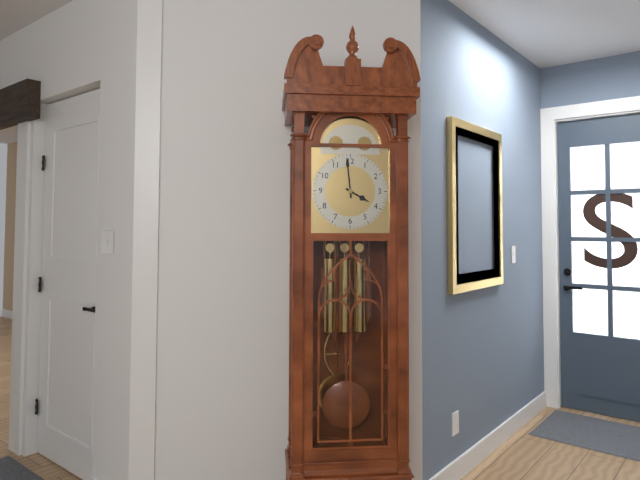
3:59
